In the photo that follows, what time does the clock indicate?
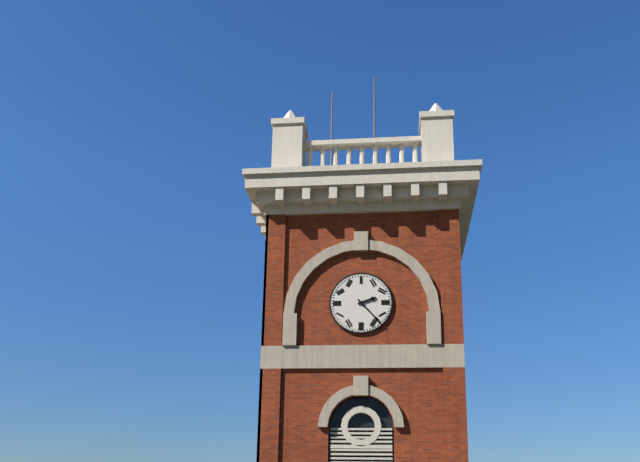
2:23
